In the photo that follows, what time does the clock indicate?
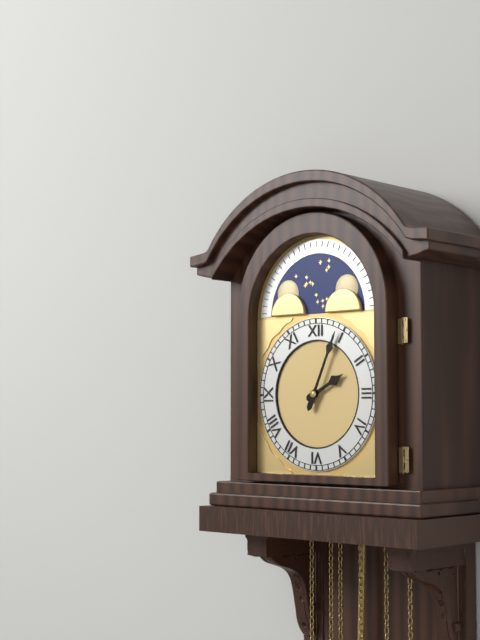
2:04
